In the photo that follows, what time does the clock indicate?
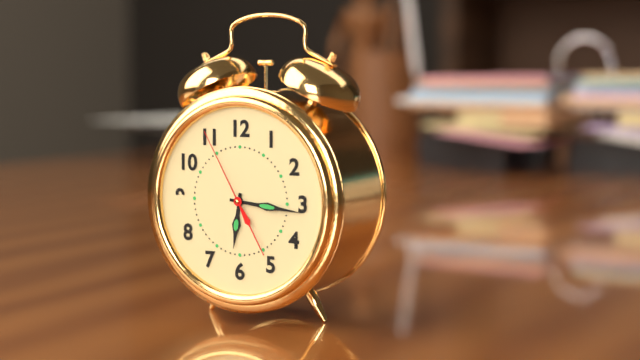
6:16:55
